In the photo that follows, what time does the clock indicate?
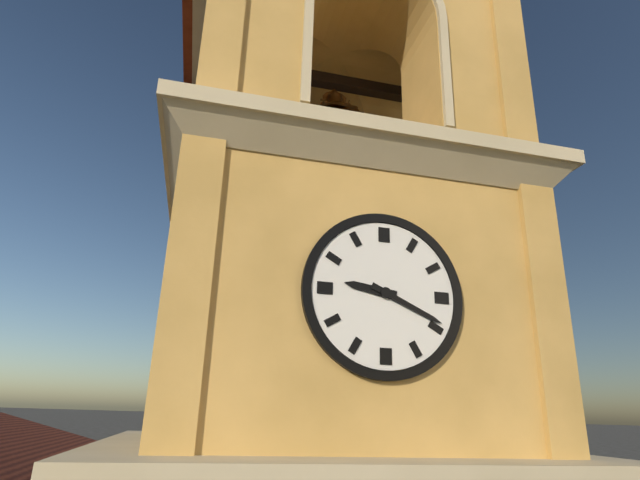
9:19
